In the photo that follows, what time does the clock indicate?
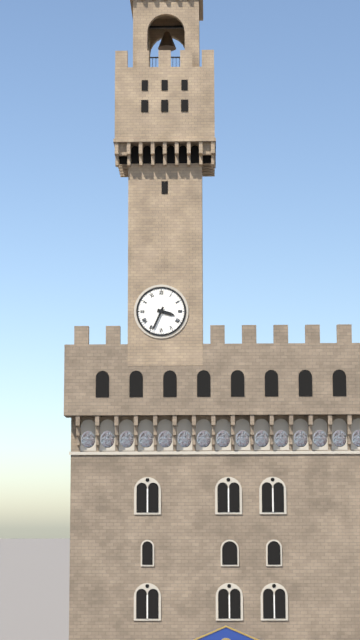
3:34
